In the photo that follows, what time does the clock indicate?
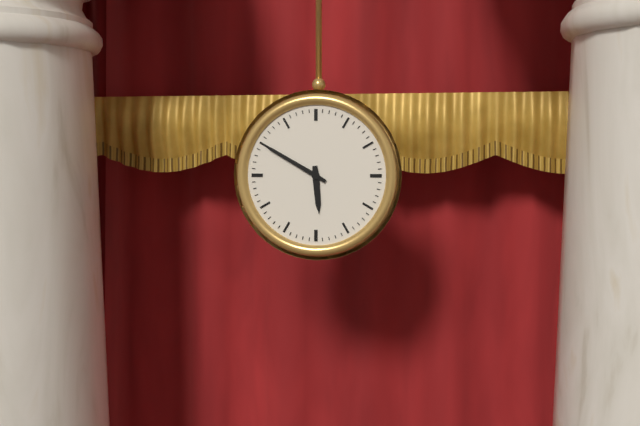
5:50
